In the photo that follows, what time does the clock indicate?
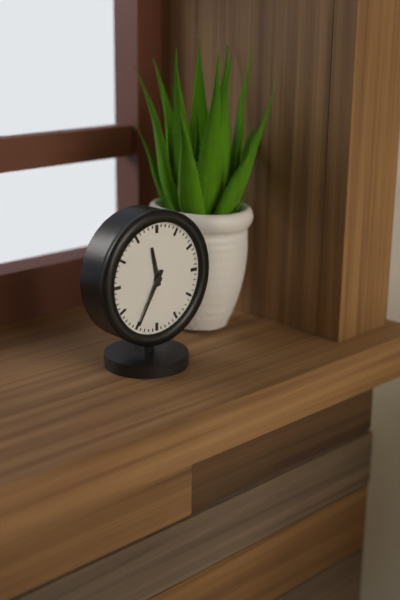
11:35
